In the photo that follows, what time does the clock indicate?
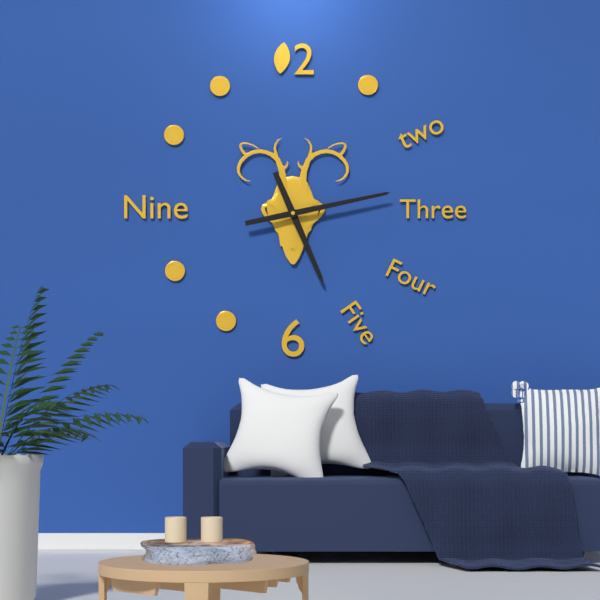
5:13
